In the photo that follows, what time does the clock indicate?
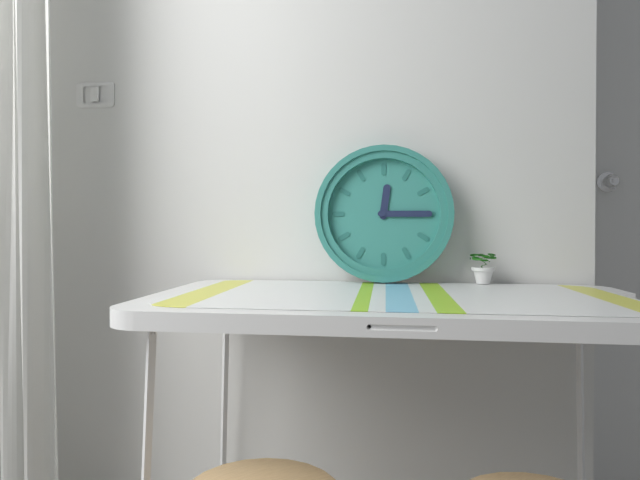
12:15
